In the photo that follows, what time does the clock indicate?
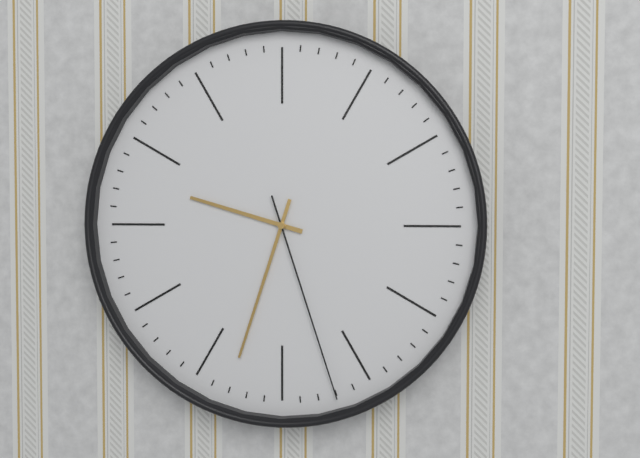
9:33:27
